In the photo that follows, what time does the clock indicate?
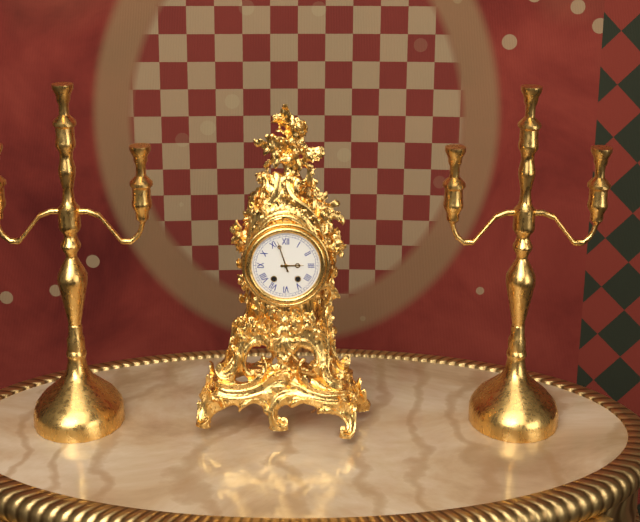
2:57
